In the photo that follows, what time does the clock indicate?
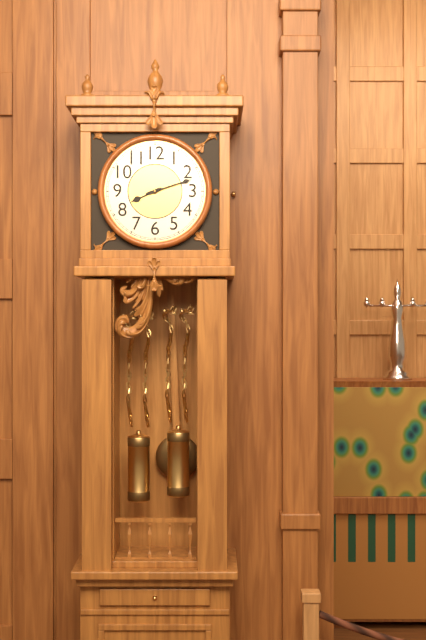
8:12
